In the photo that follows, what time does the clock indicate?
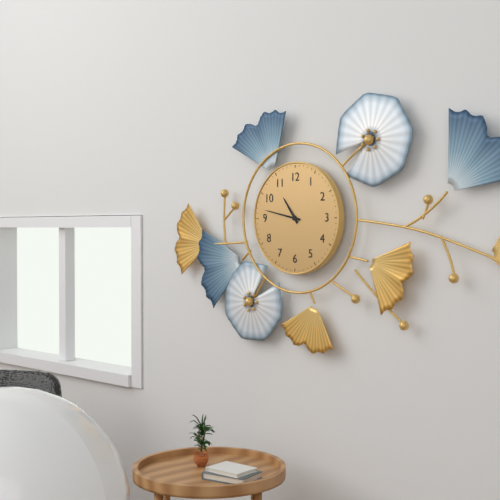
10:47
